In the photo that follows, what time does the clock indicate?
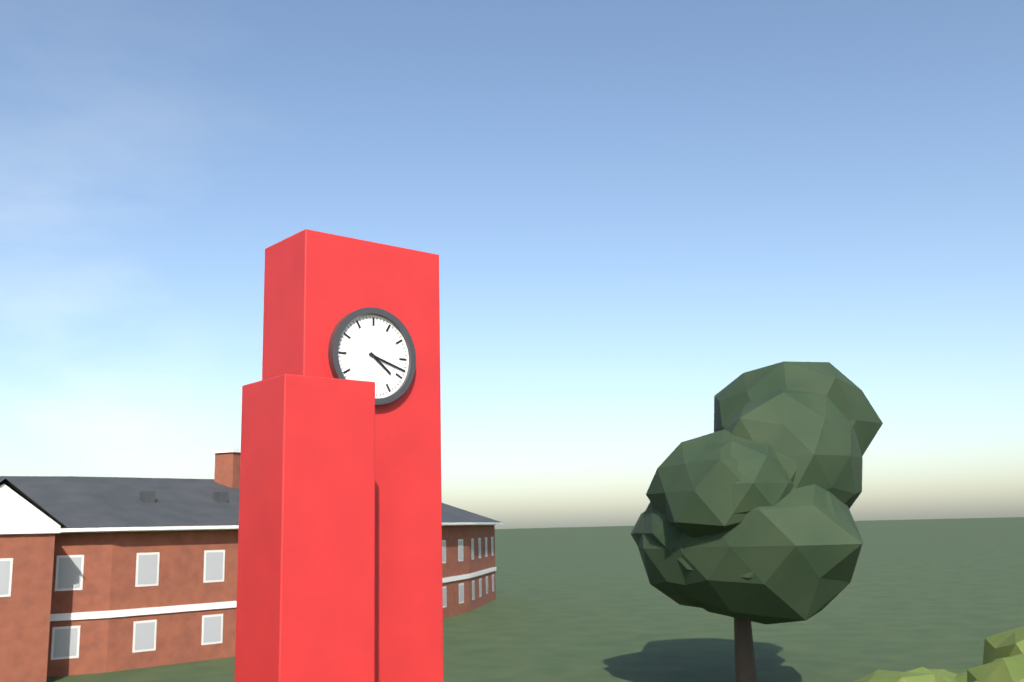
4:18
